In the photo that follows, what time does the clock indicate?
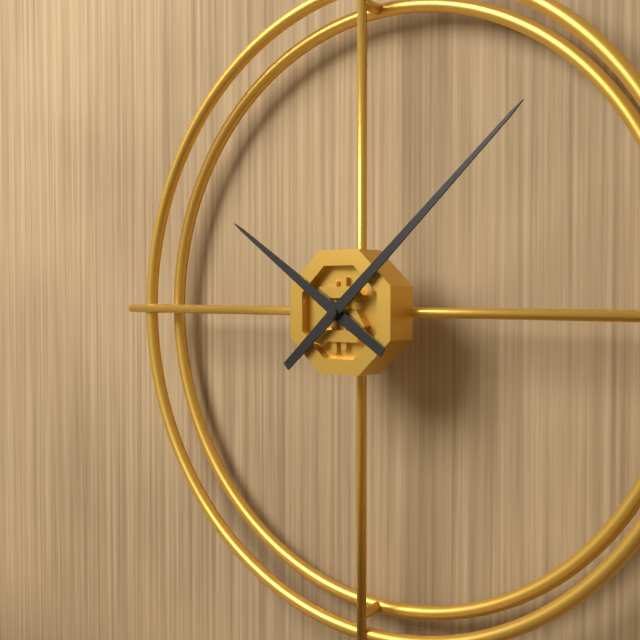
10:08
